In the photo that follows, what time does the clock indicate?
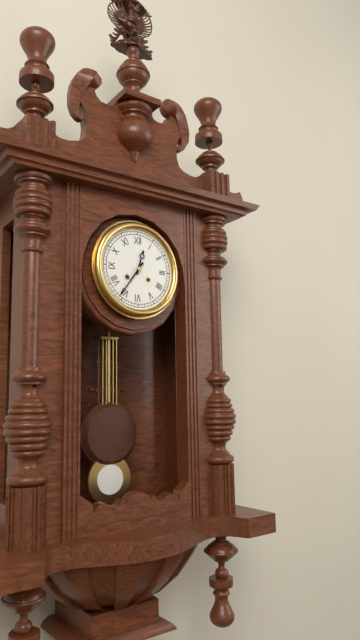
12:36
